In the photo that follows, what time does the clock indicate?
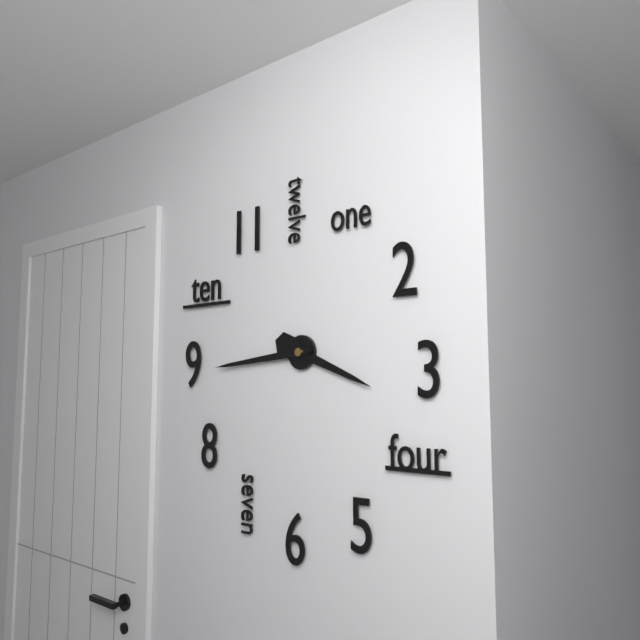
3:44
